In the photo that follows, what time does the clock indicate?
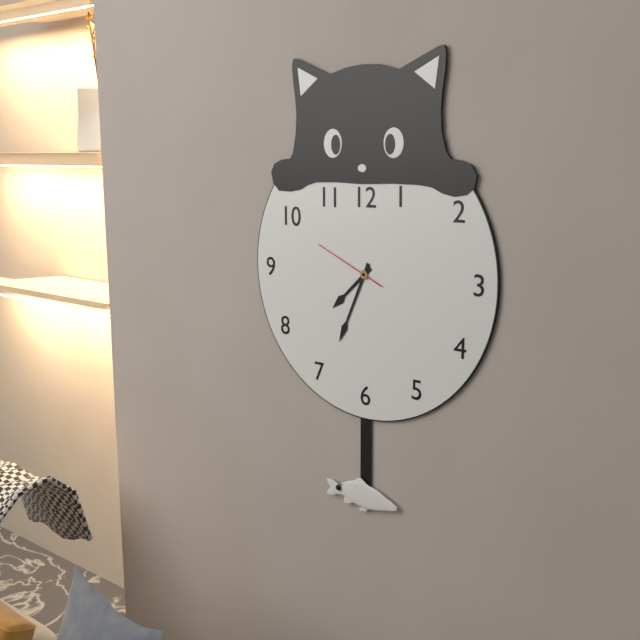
7:34:49
